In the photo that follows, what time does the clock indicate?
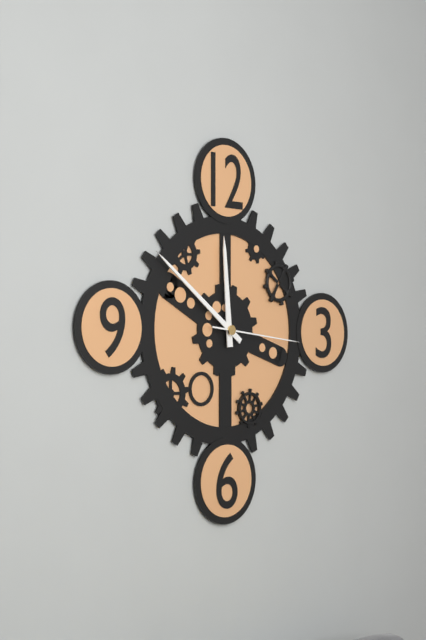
11:51:16
